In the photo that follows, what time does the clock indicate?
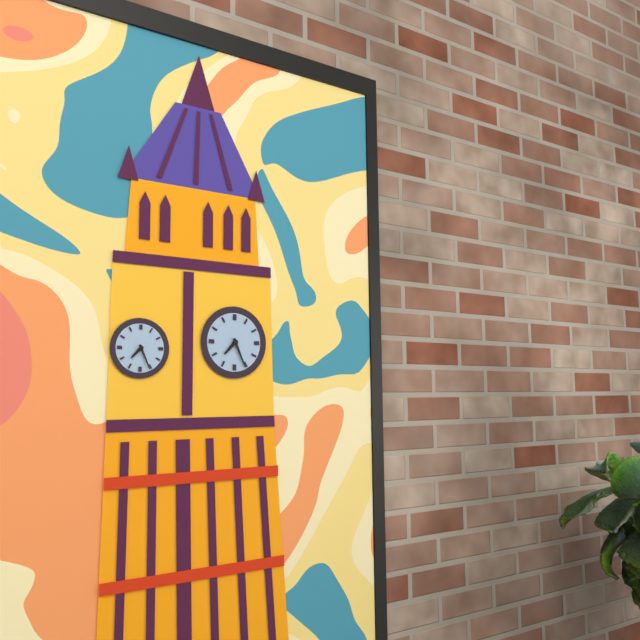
7:26
